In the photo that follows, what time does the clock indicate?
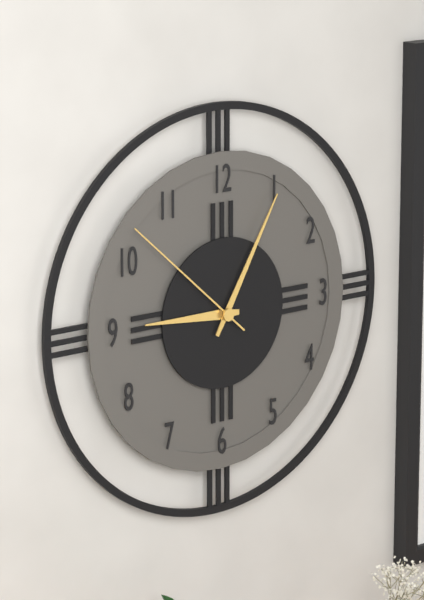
9:05:52
